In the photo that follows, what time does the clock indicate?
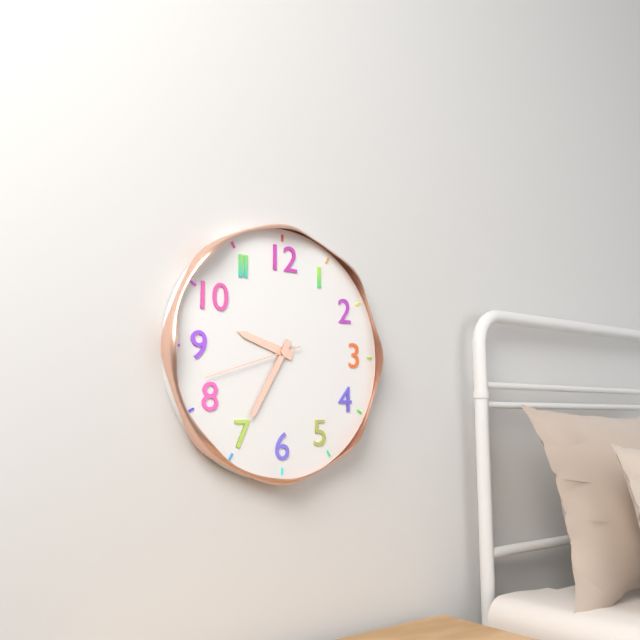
9:35:42
